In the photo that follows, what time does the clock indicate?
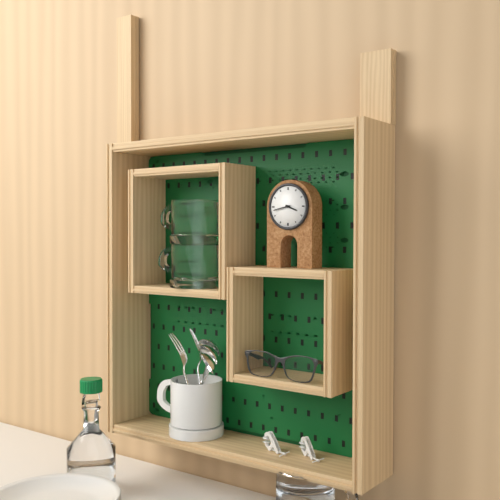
3:43
